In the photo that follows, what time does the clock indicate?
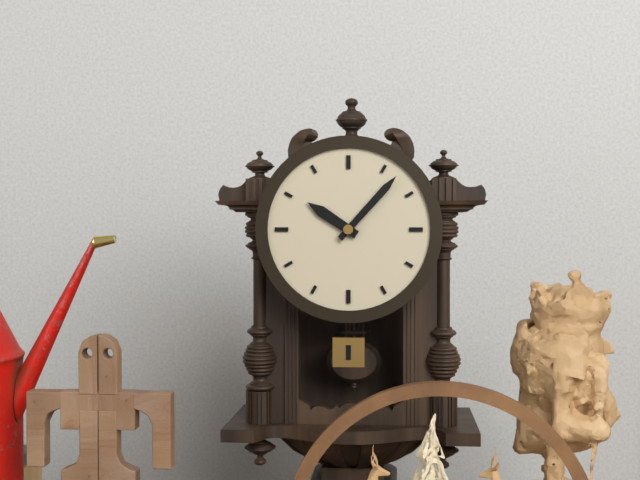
10:07
